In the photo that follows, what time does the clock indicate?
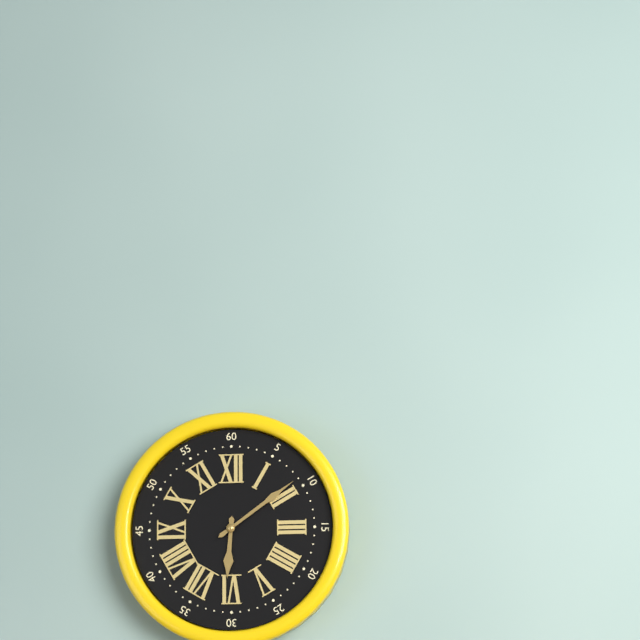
6:09
